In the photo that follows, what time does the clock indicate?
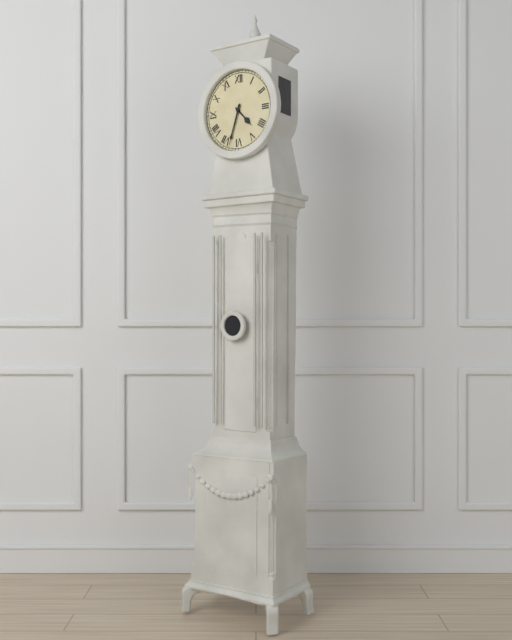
4:33
